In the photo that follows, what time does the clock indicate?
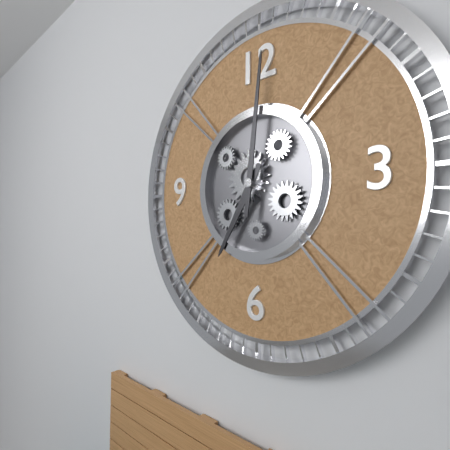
7:01
